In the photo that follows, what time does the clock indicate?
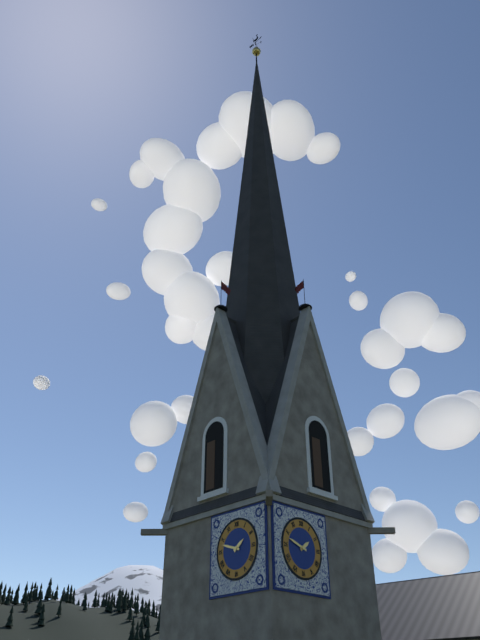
1:48
